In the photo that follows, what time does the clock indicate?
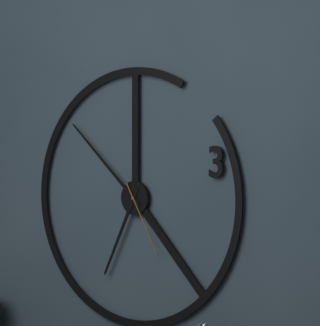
6:52:25
